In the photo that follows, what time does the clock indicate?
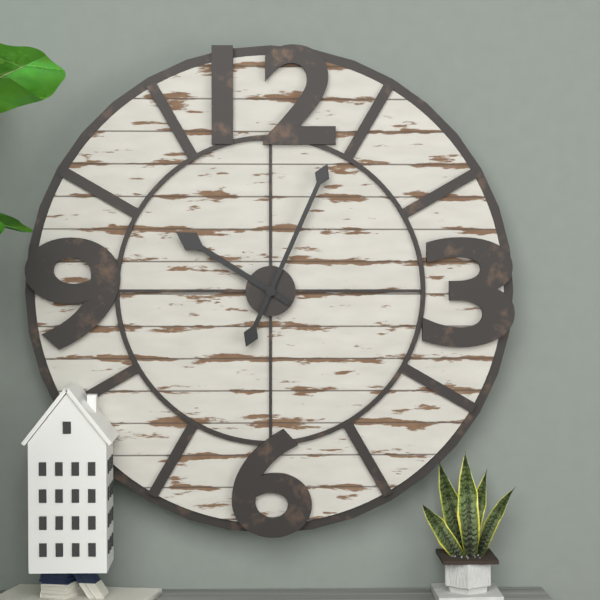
10:04
